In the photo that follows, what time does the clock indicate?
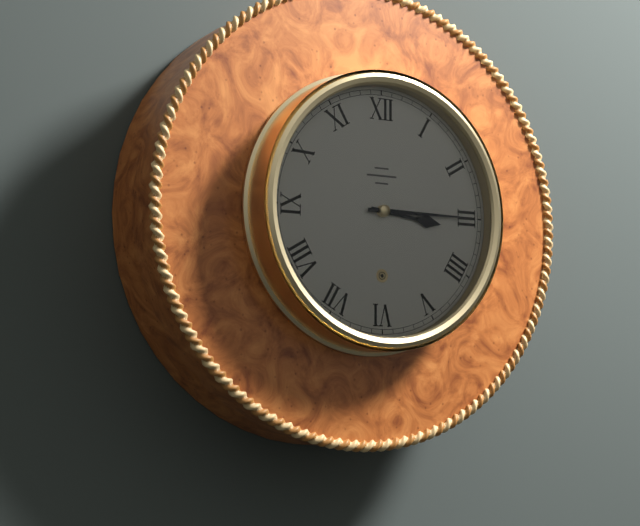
3:15
